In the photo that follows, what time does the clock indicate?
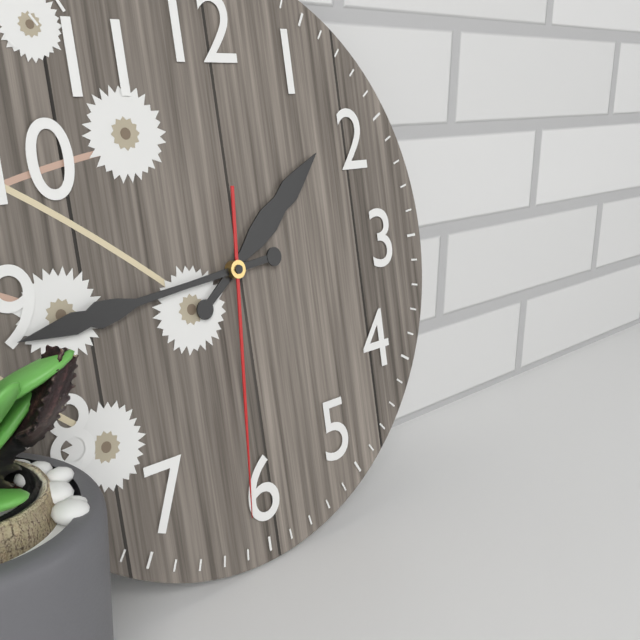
1:44:31
